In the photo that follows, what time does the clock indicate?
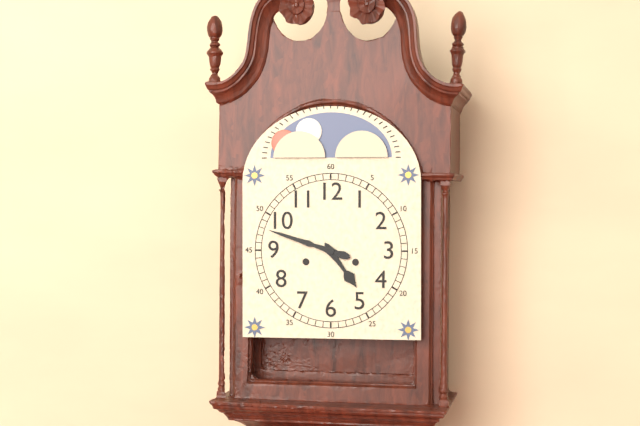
4:48
